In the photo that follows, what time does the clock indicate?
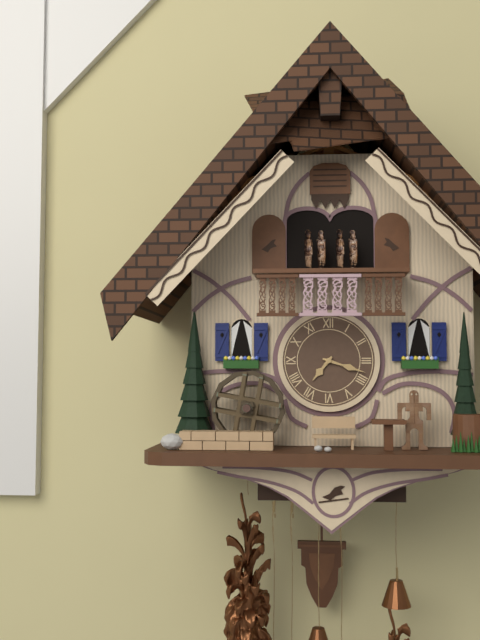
7:18
